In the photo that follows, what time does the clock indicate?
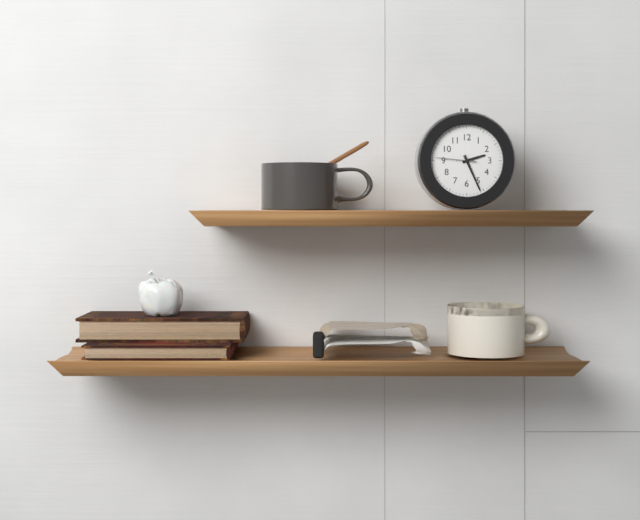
2:26
